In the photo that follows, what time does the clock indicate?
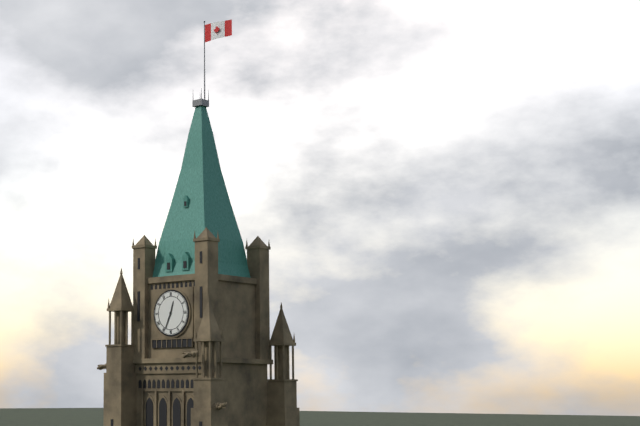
12:34
